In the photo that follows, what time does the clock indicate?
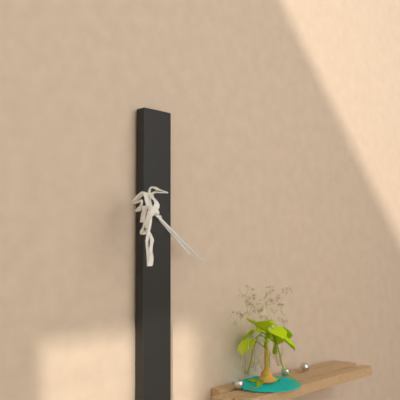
4:21
